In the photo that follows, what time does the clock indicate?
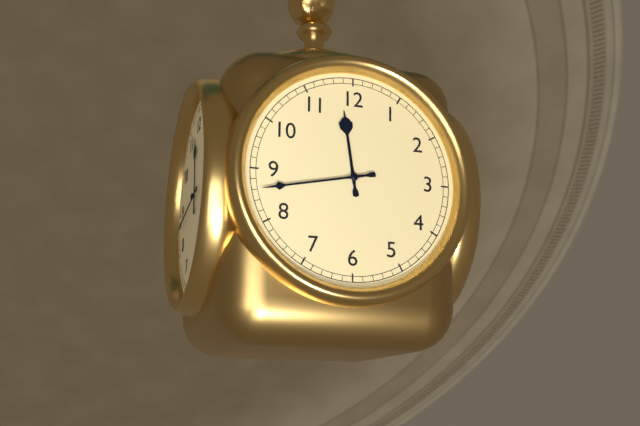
11:43
